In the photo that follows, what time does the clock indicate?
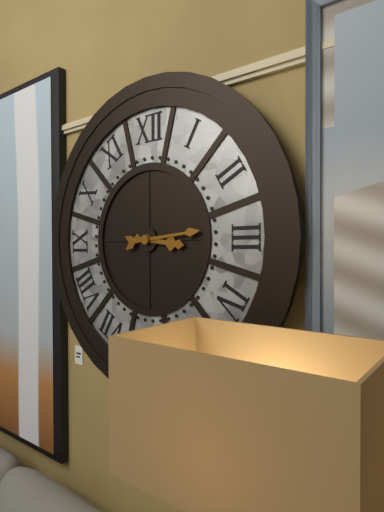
3:14
